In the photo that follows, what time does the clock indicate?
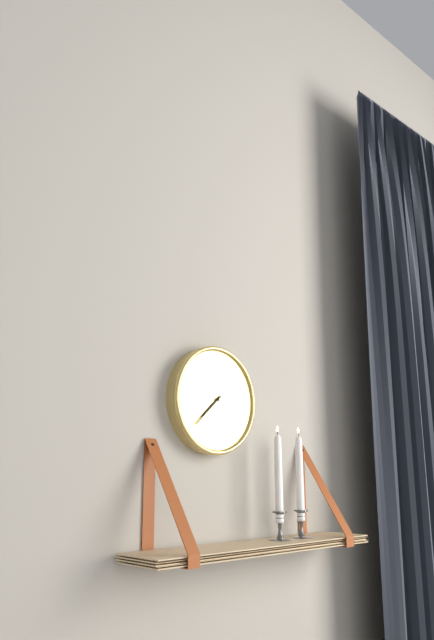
7:38
